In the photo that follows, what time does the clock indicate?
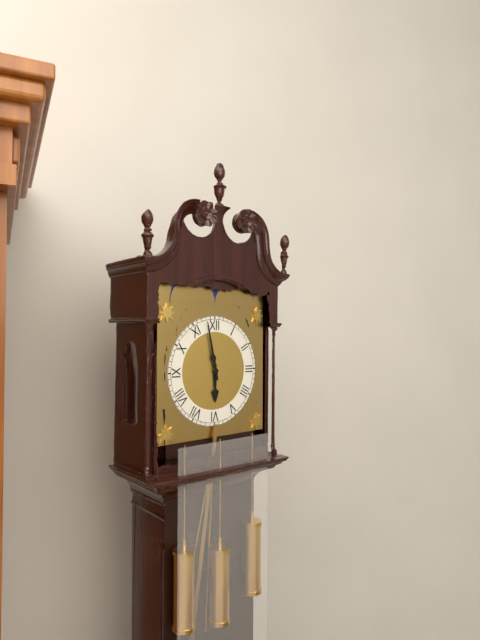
5:58
